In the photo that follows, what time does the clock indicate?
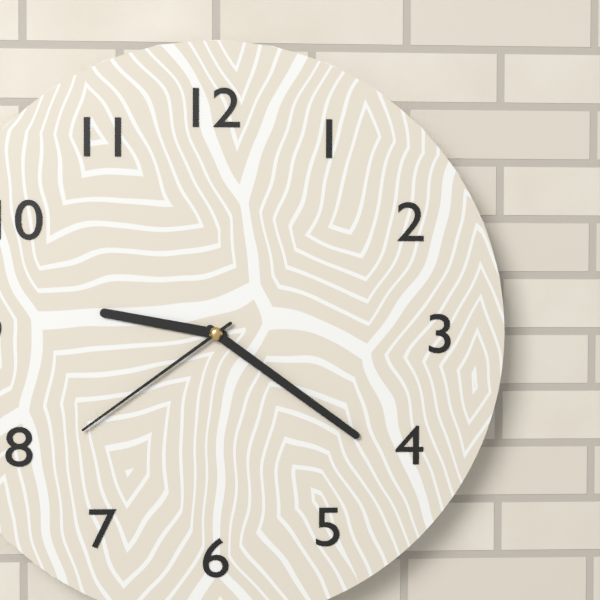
9:21:39
